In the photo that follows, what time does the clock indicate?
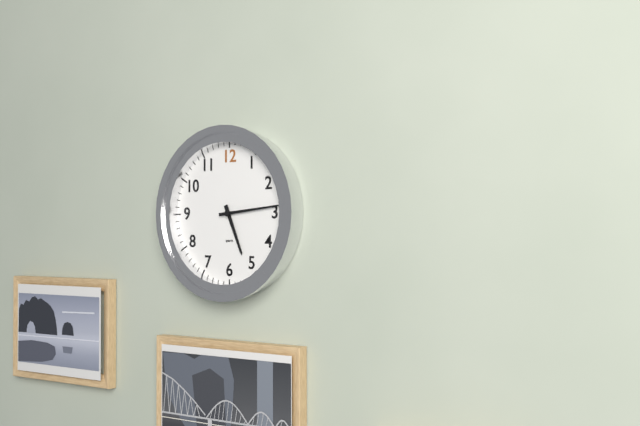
5:14
